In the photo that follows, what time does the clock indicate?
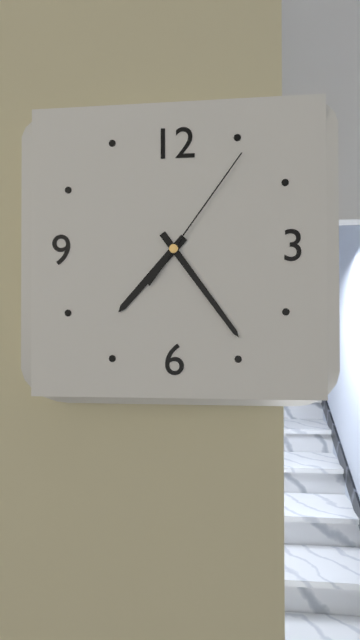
7:24:06
